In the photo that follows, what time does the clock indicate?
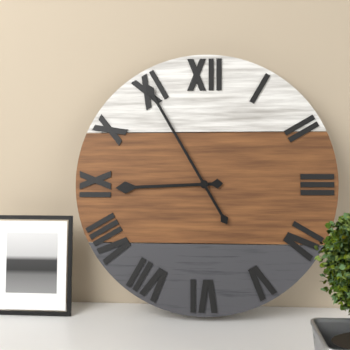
8:55
